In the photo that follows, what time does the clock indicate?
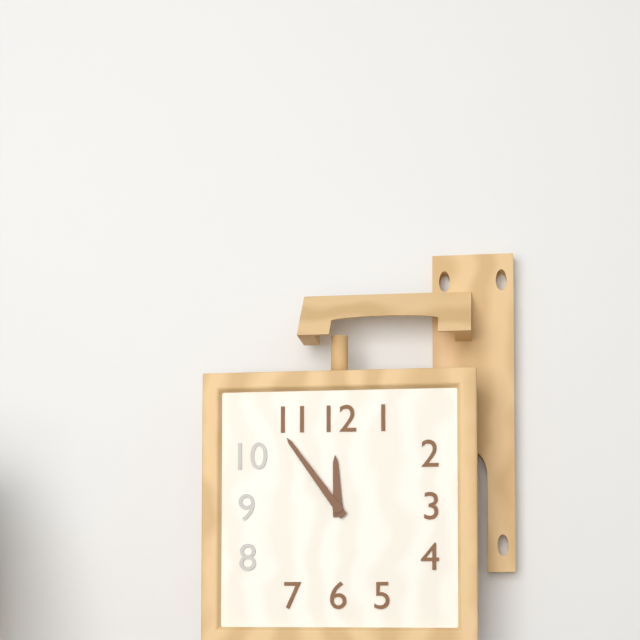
11:54
